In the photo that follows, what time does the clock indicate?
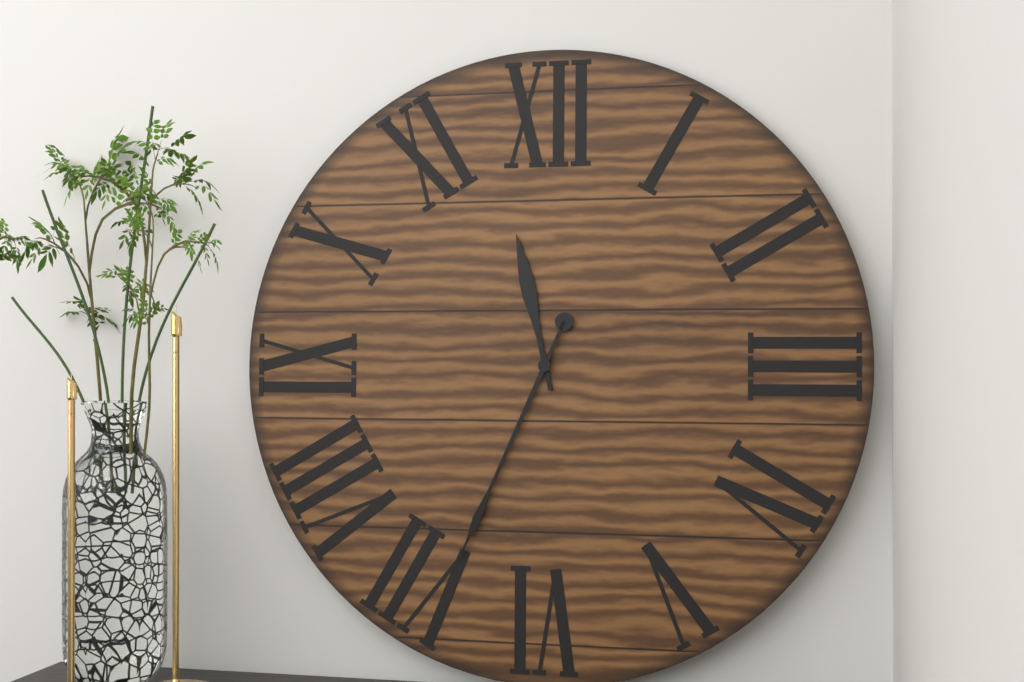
11:34
